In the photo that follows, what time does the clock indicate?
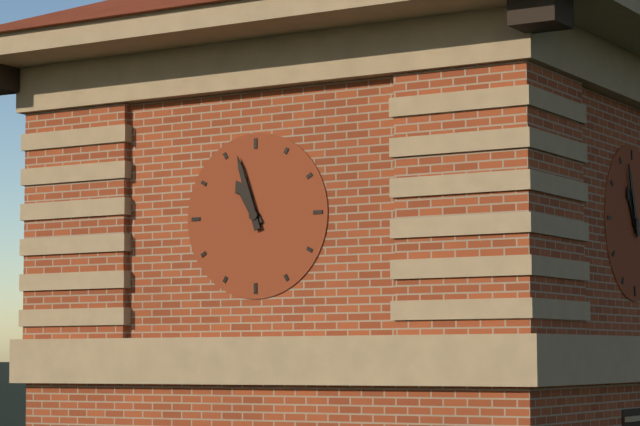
10:57
